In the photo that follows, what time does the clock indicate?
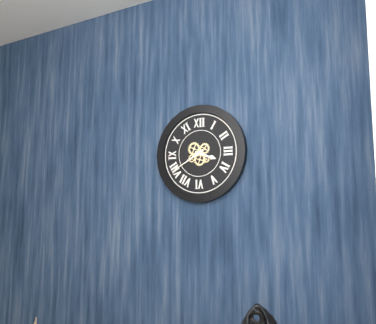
3:40
